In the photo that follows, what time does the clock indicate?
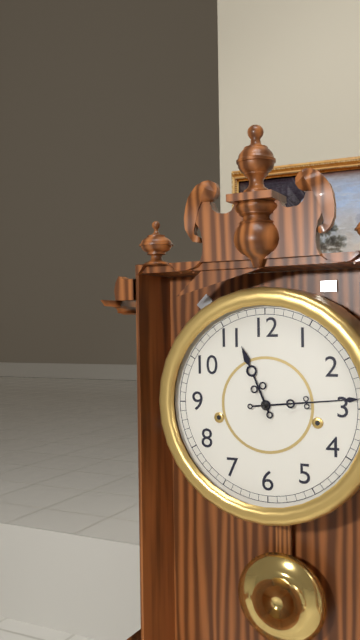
11:14
